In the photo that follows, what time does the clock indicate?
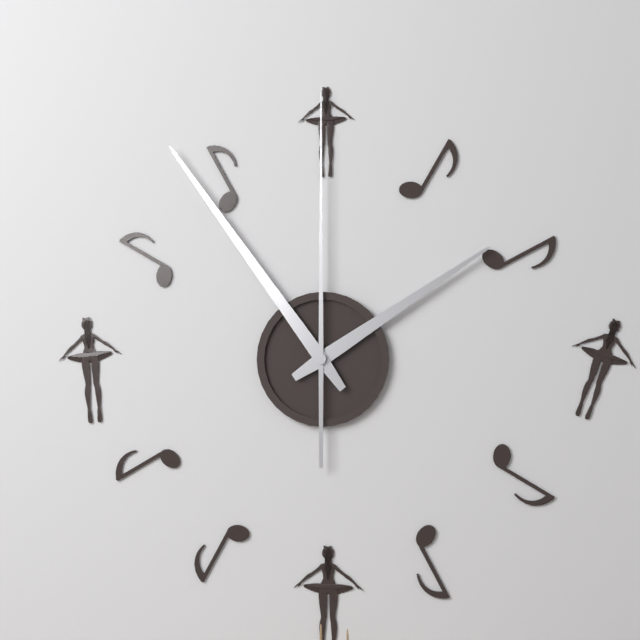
1:54:00
